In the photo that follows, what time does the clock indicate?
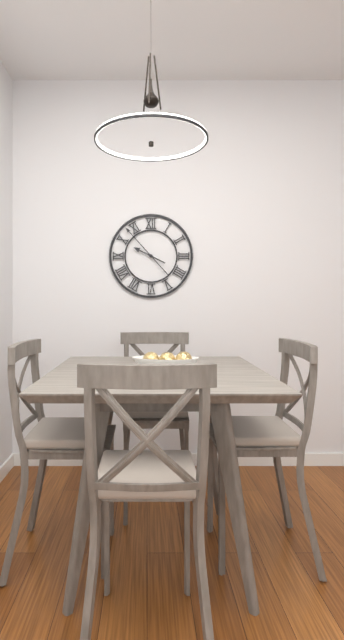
9:53
